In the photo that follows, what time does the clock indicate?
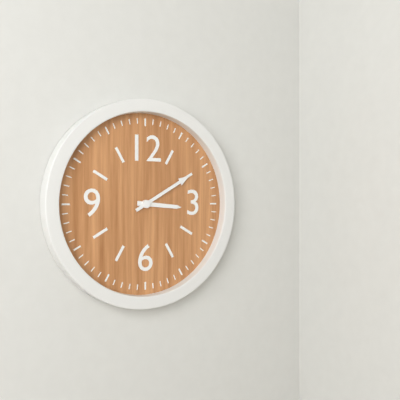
3:10
